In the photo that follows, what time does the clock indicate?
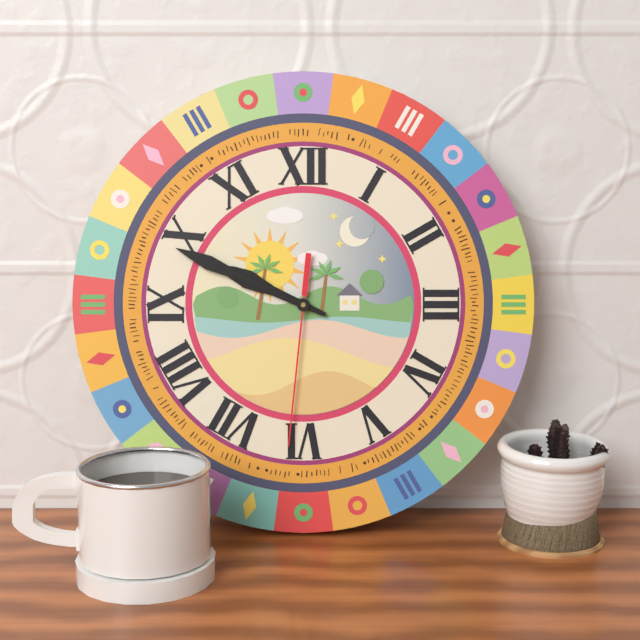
9:49:31
